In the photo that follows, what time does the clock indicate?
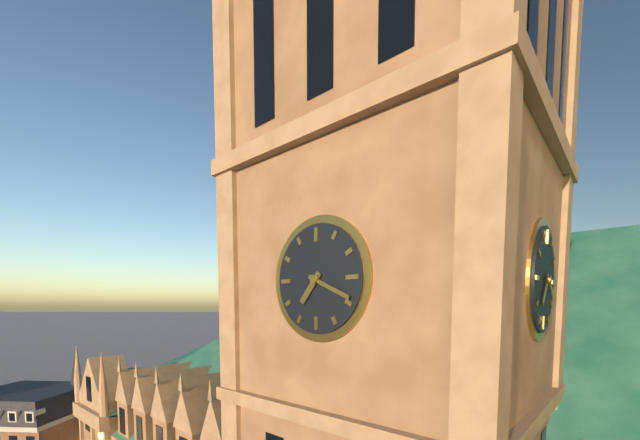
7:19
